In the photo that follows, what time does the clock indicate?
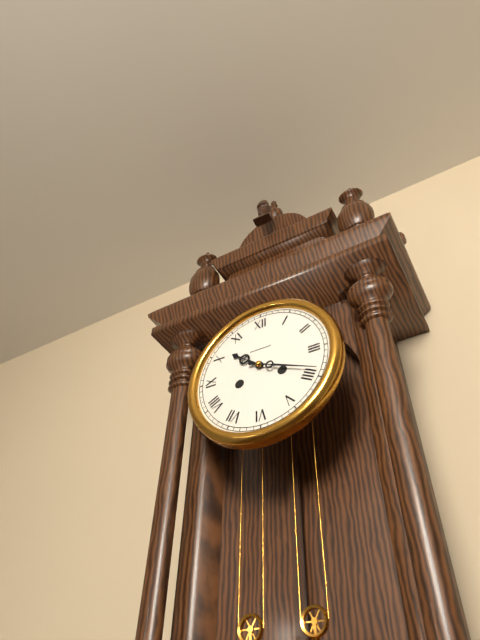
10:19
